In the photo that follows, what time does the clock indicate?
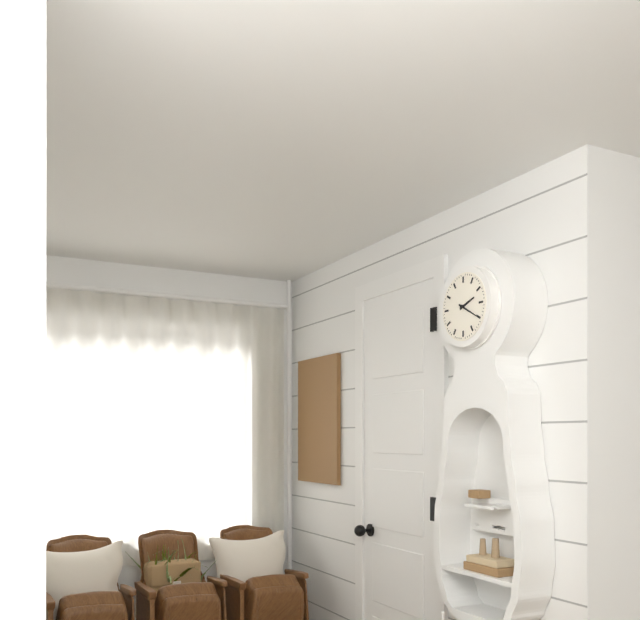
2:20
